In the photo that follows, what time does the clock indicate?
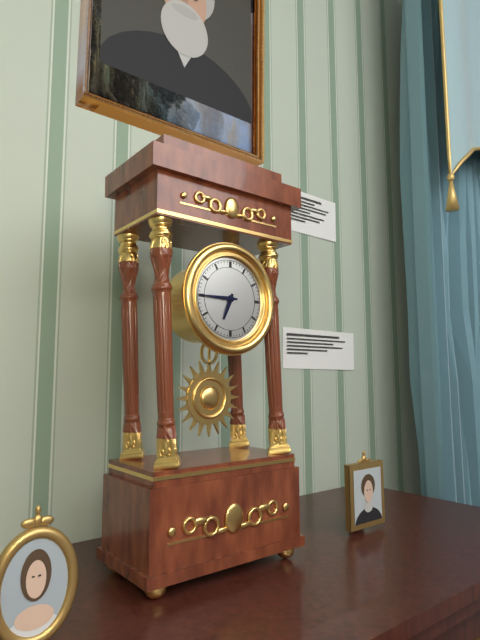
6:45
